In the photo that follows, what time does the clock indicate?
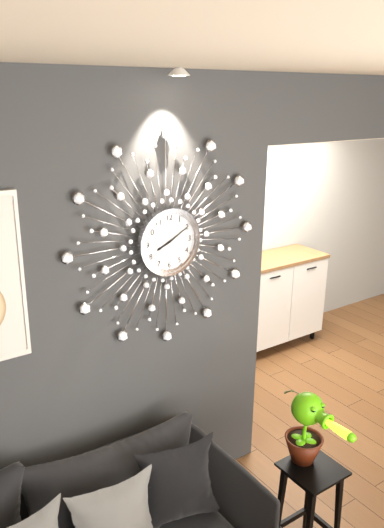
8:10
